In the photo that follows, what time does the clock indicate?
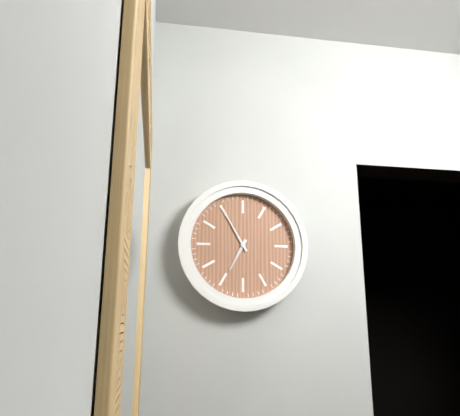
6:55
